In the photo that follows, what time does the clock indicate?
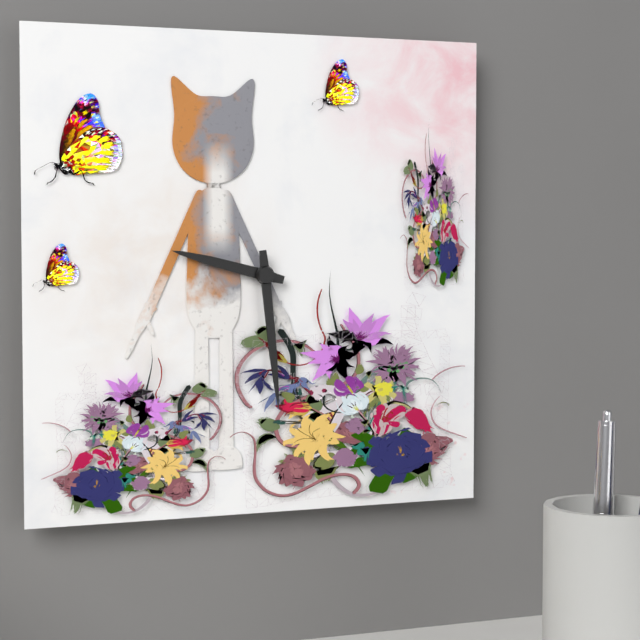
9:29
